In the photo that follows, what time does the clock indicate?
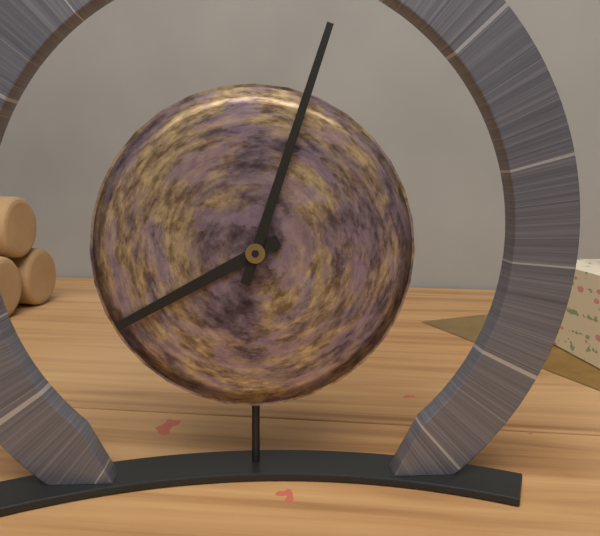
8:03
